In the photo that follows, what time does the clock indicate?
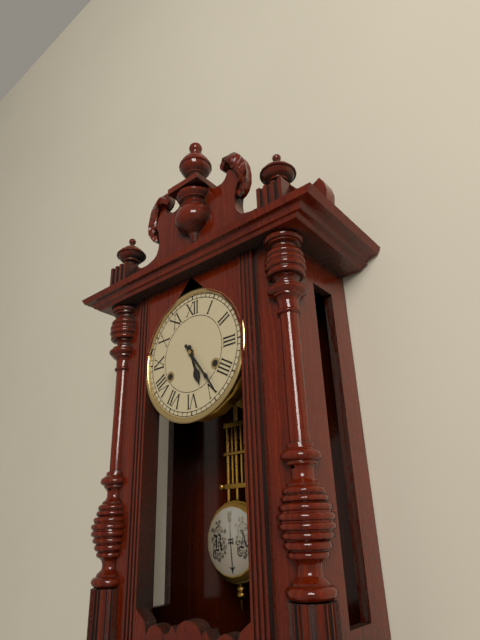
5:24
